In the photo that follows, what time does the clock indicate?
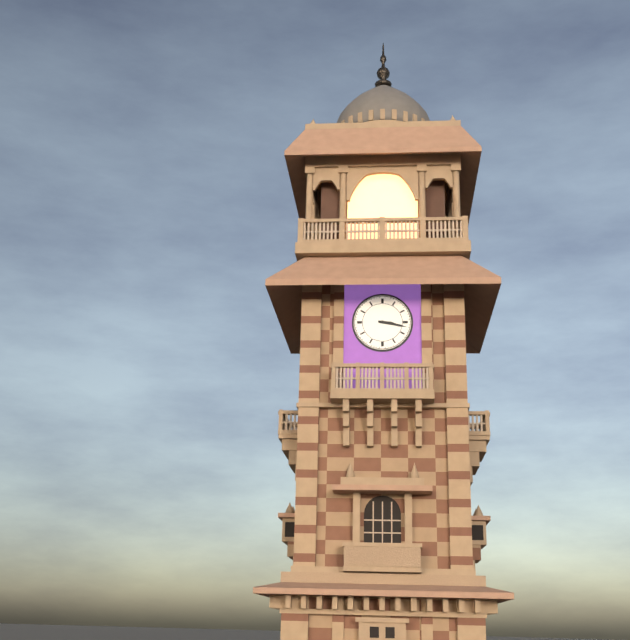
3:17
